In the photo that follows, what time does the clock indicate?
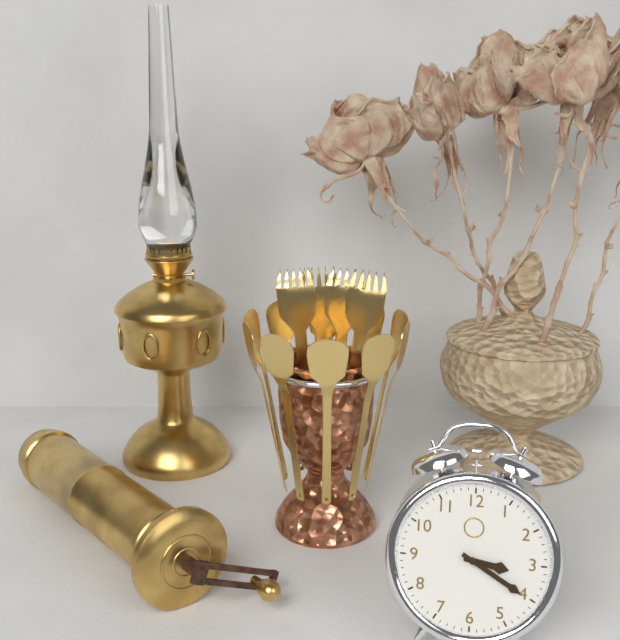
3:20
